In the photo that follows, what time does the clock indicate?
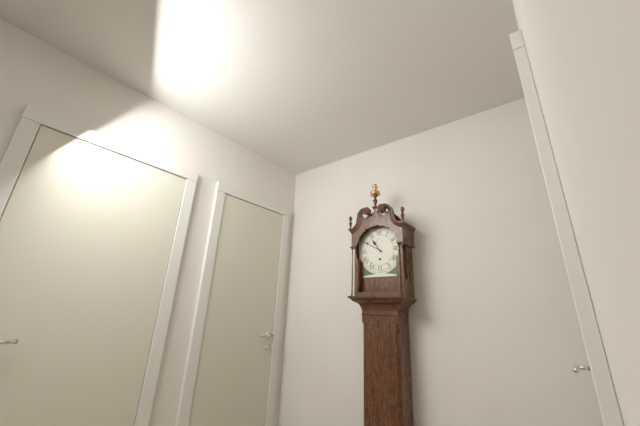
10:50
